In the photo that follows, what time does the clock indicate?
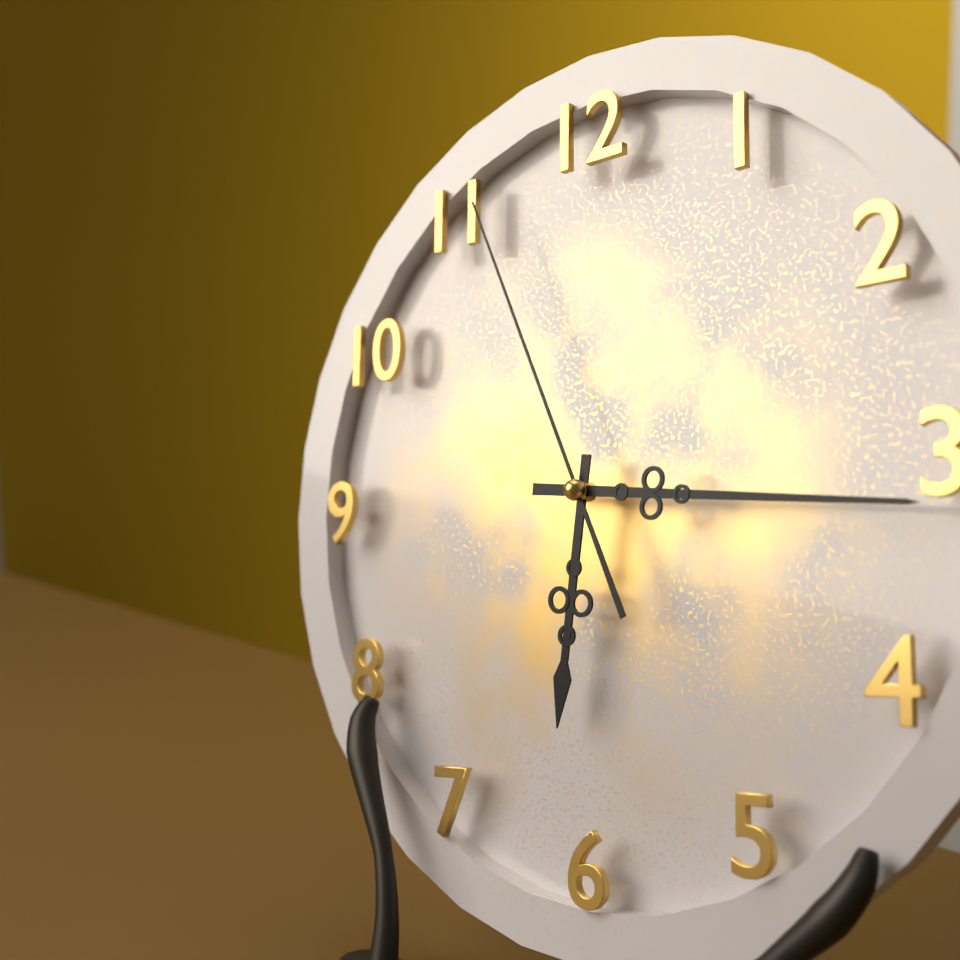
6:16:56
